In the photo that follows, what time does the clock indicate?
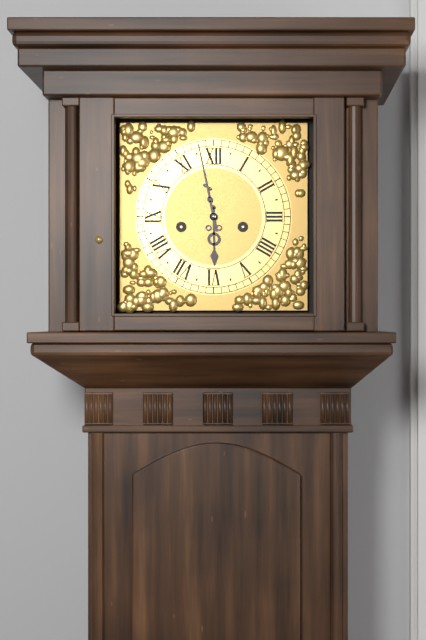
5:58
